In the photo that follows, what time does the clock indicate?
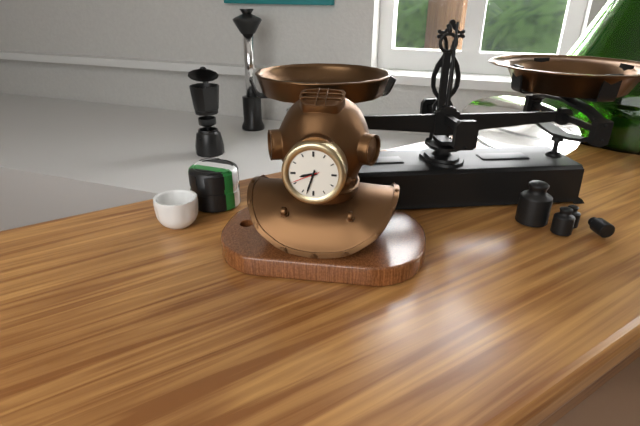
8:33
